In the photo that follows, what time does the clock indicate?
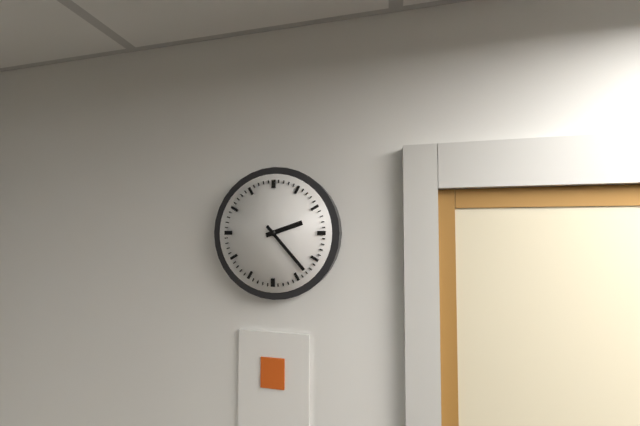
2:23
